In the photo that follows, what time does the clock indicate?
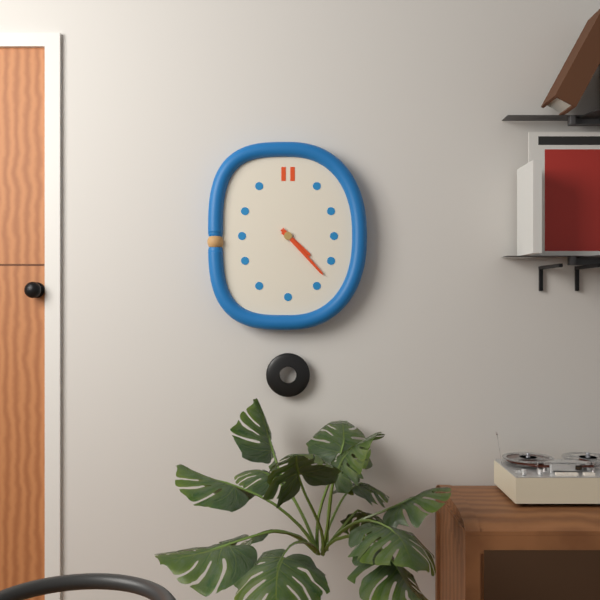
4:23
